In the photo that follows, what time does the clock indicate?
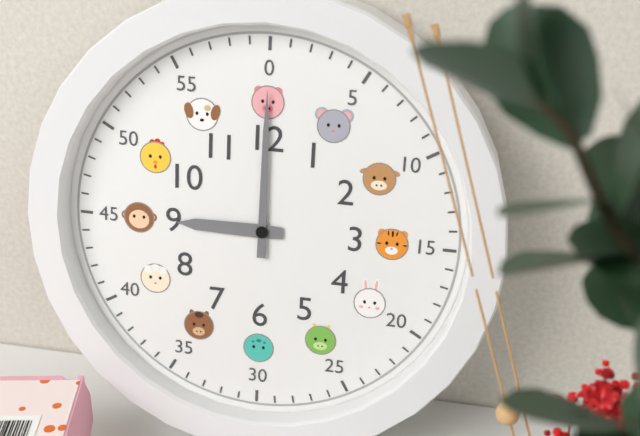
9:00
